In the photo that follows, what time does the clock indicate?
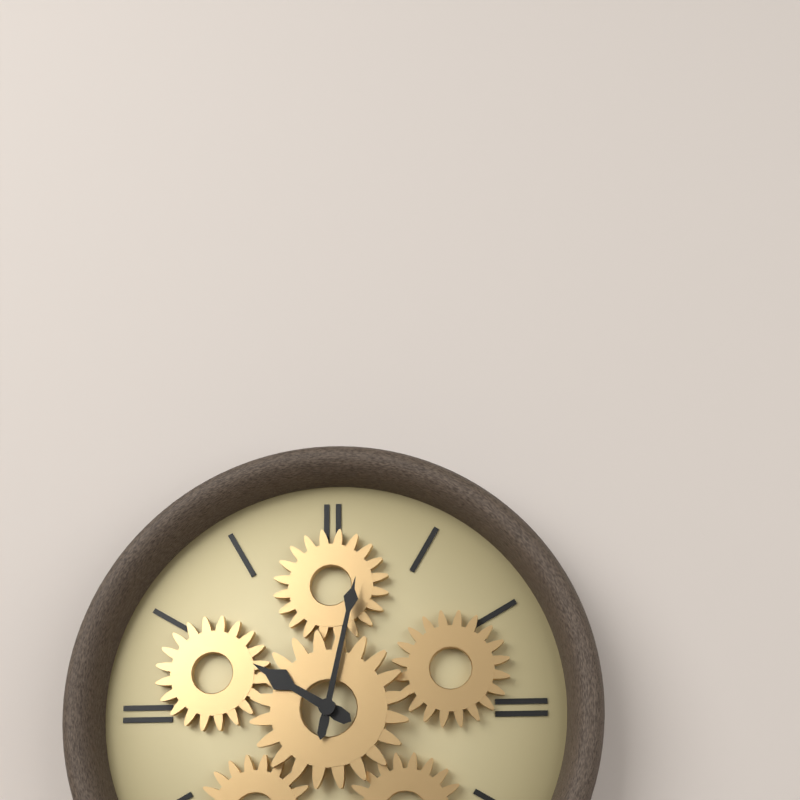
10:02
